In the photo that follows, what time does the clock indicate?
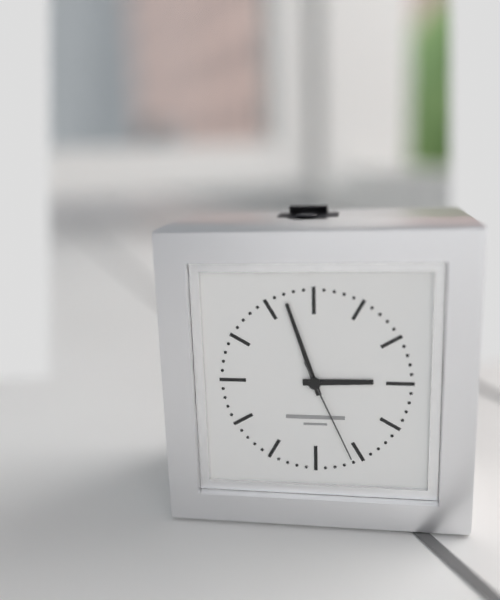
2:57:26
